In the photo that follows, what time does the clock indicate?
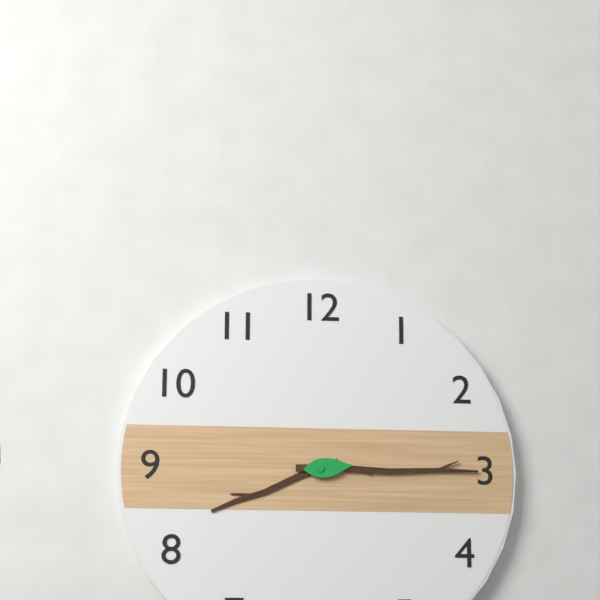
8:15
